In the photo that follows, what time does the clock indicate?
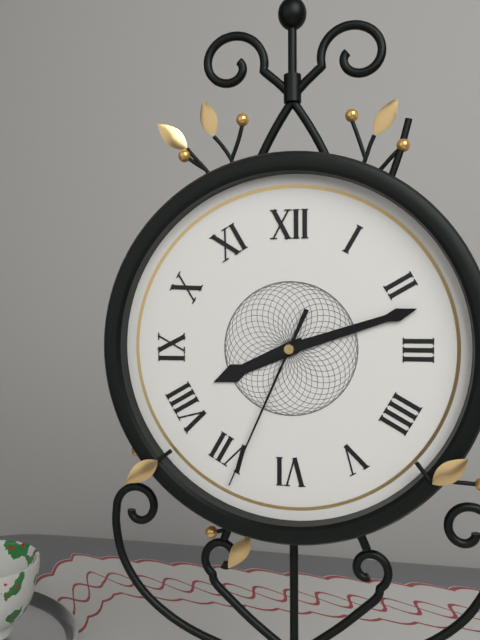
8:12:34
